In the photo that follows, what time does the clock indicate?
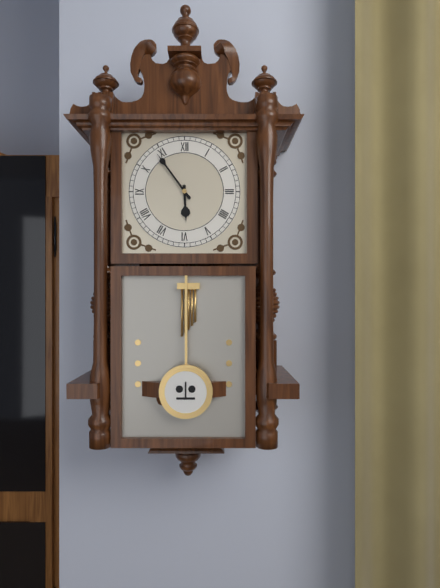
5:54
